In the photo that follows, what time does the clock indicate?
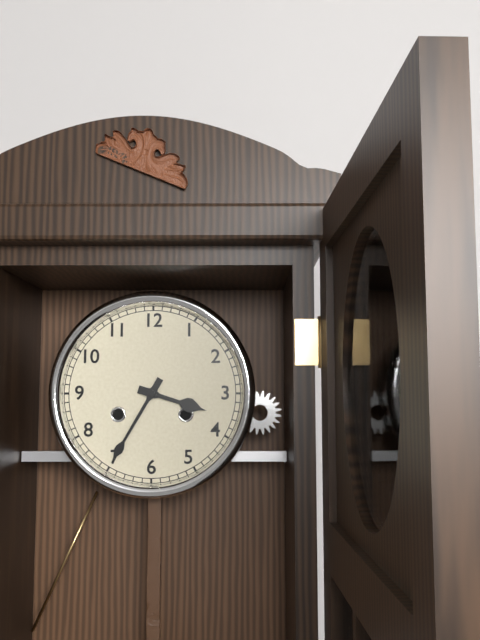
3:35
